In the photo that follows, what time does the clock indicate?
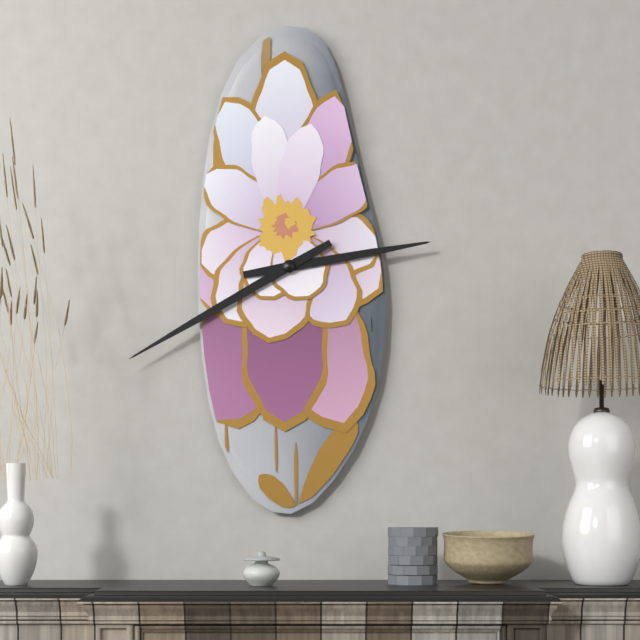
2:40
